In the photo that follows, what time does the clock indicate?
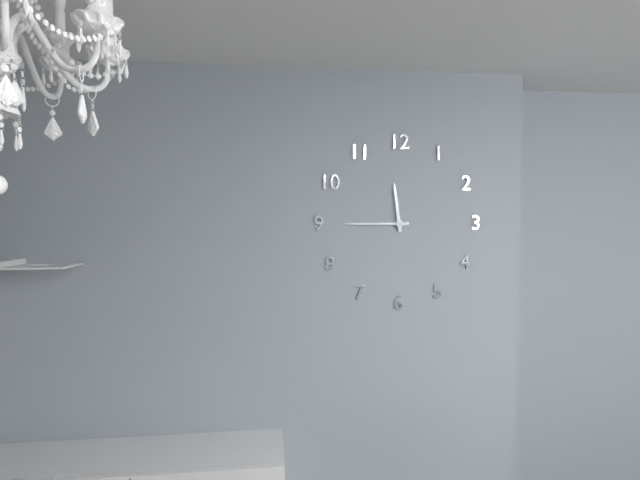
11:45
